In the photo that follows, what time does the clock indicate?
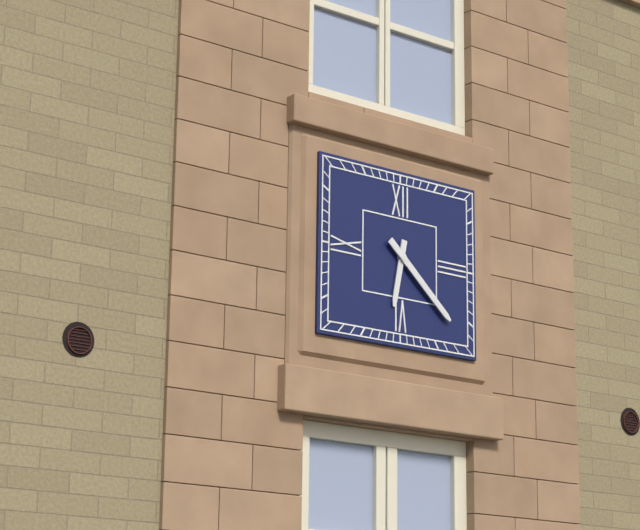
6:22
